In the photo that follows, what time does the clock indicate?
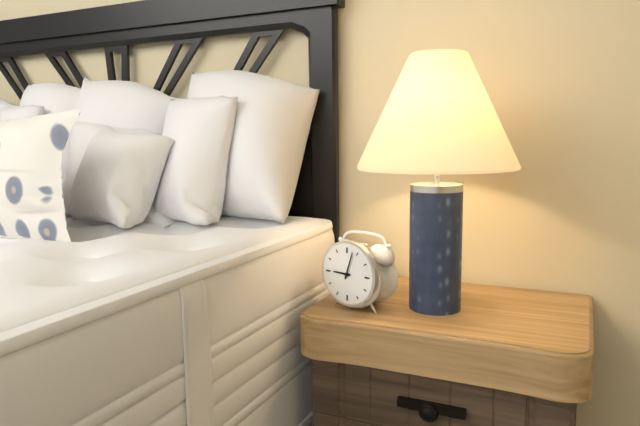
9:03
